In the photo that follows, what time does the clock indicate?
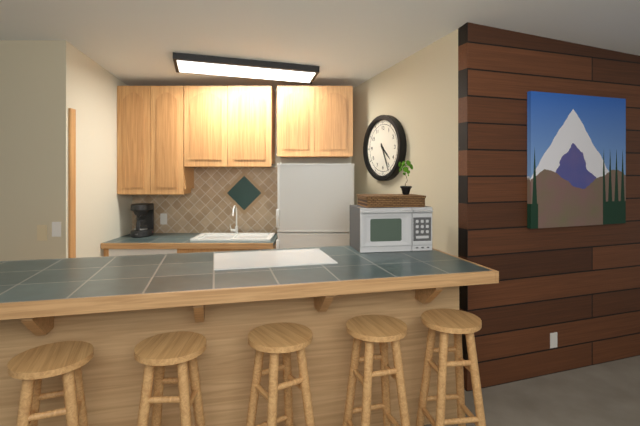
4:26
